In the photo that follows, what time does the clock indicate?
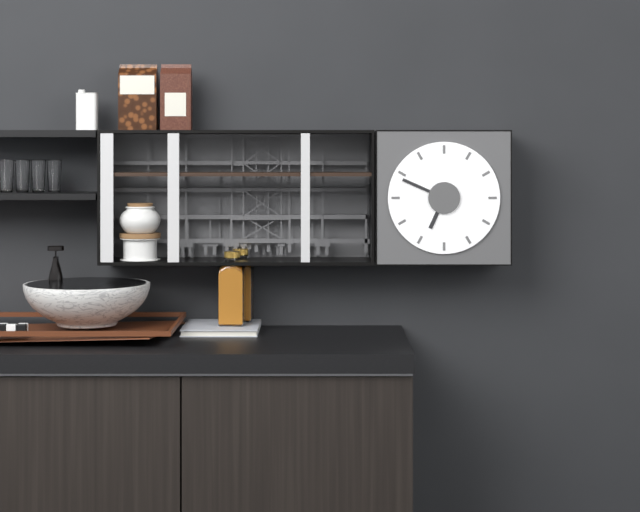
6:49
